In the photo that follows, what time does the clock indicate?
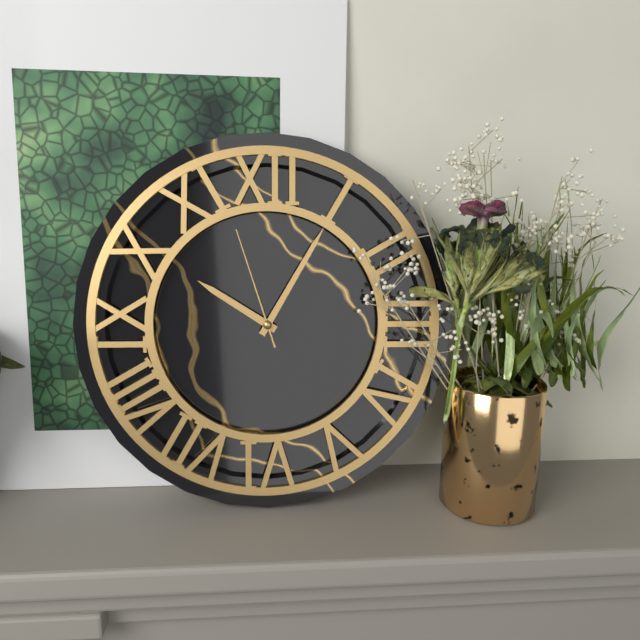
10:05:57
